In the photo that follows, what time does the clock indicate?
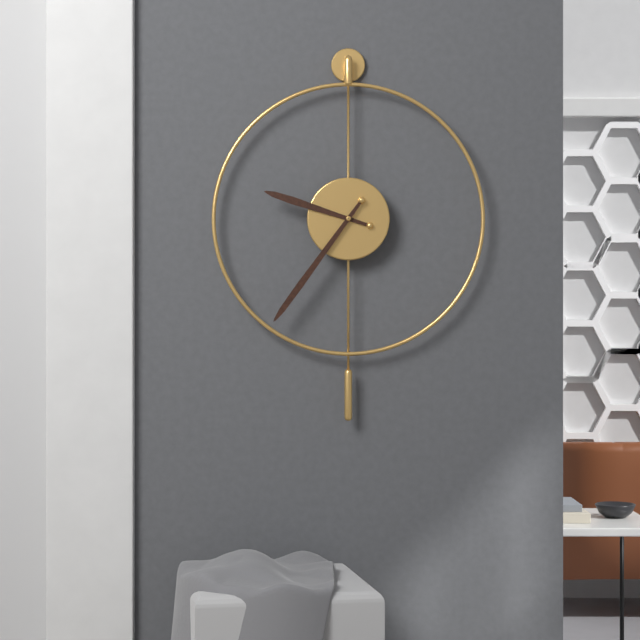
9:36
